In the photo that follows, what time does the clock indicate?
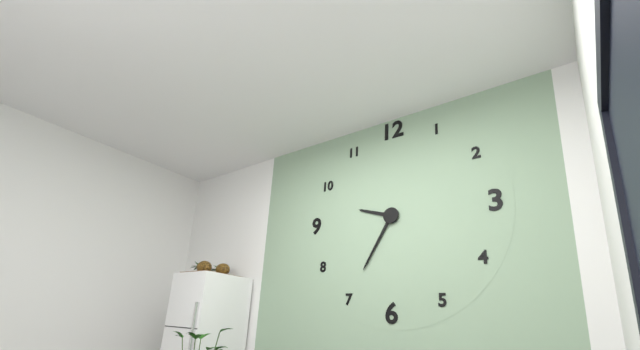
9:35
